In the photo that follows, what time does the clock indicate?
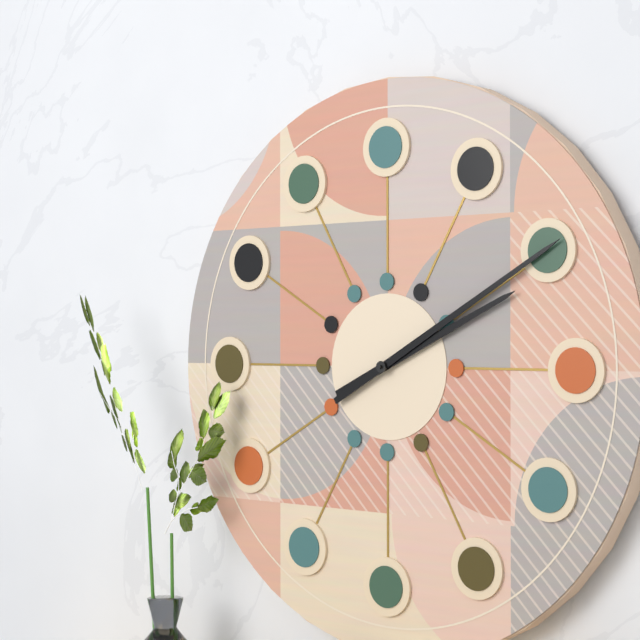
2:10
